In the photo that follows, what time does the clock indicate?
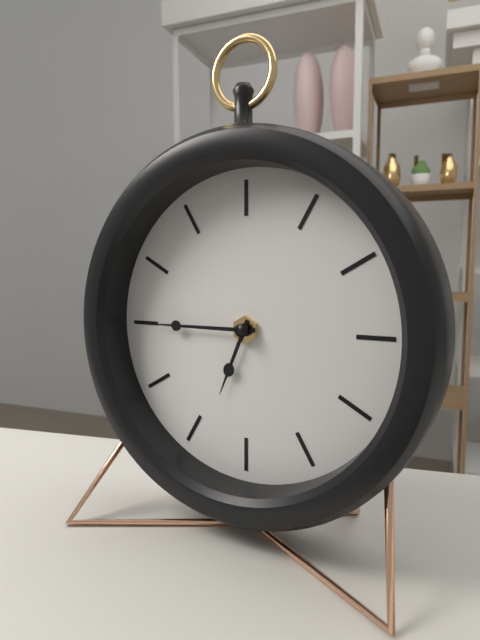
6:45
